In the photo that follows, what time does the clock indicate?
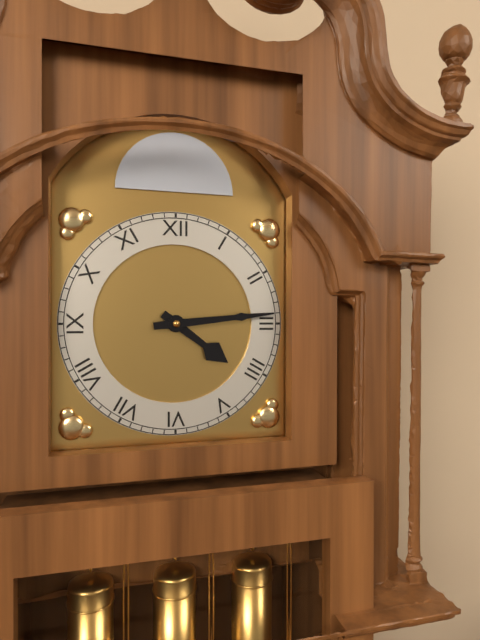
4:14
